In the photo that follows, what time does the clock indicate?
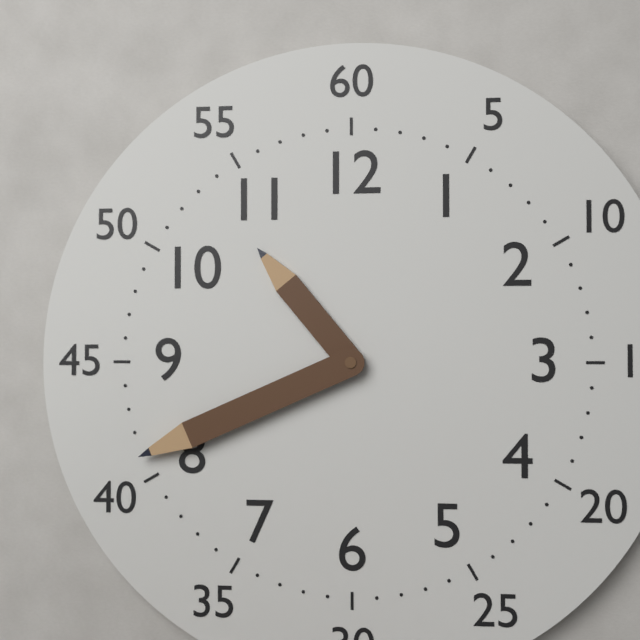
10:41
